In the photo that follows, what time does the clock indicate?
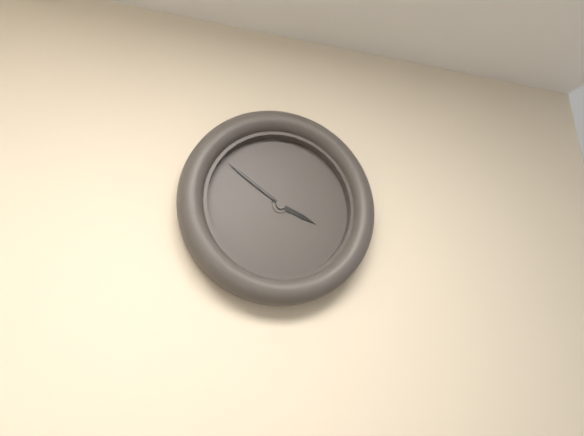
3:51
